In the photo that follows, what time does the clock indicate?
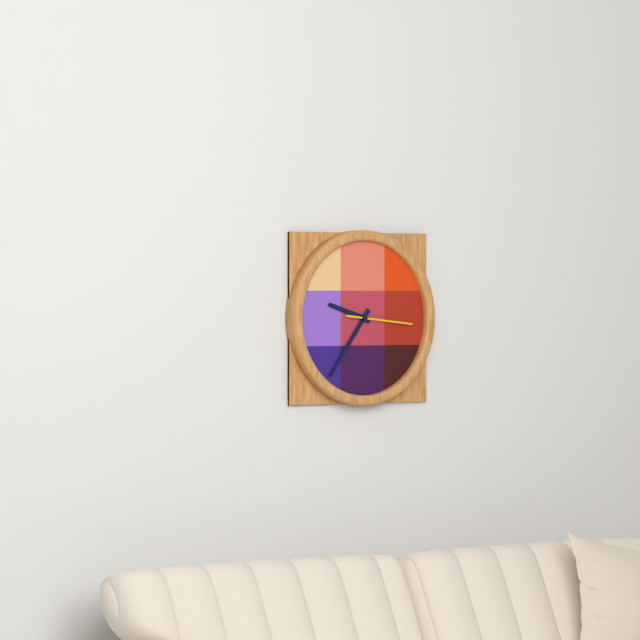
9:36:16
